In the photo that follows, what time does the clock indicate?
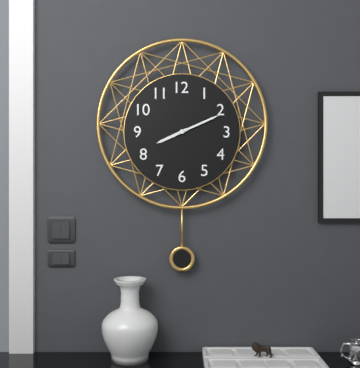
8:11
